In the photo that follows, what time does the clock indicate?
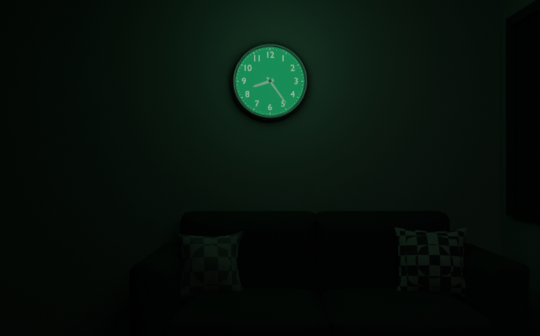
8:24
